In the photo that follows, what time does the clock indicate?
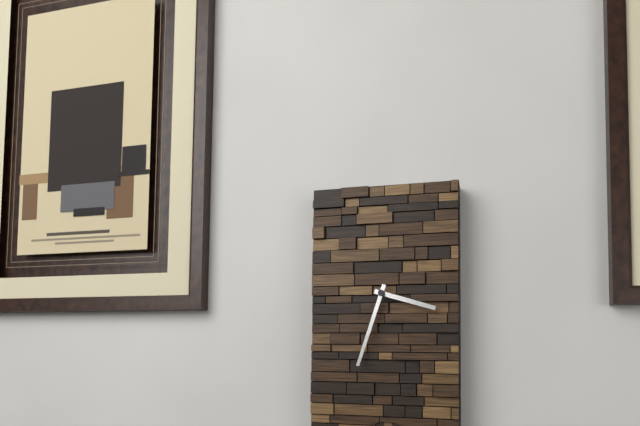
3:33
